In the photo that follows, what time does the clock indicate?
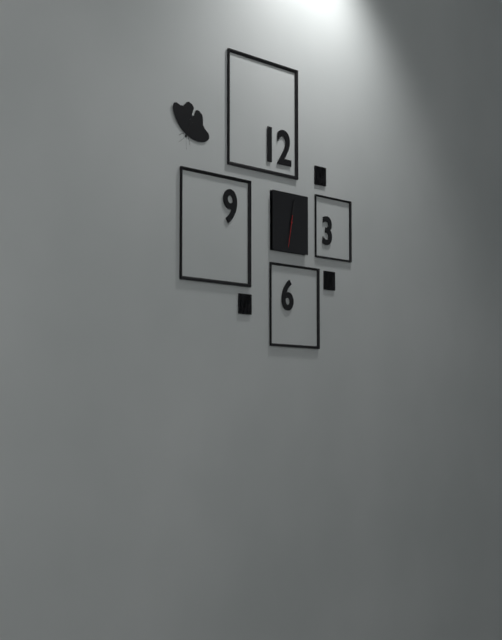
6:02
